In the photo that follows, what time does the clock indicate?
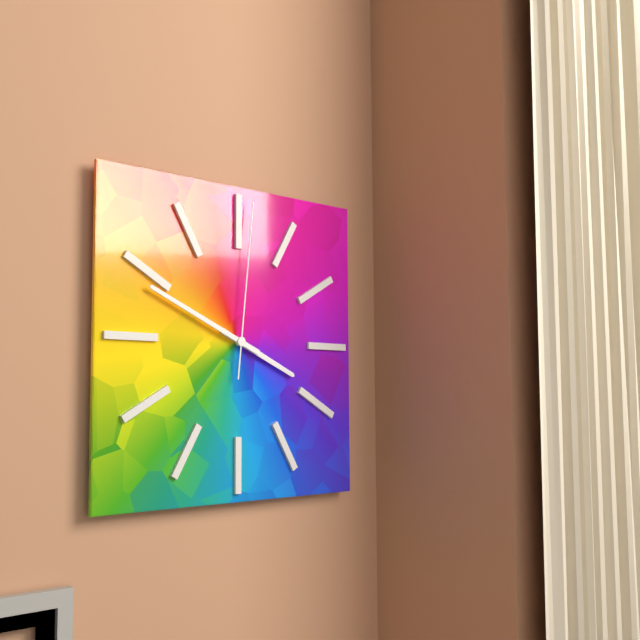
3:49:01
